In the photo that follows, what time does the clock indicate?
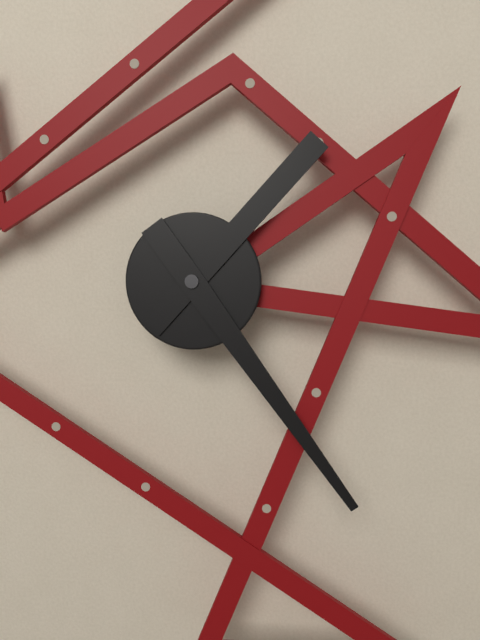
1:24
